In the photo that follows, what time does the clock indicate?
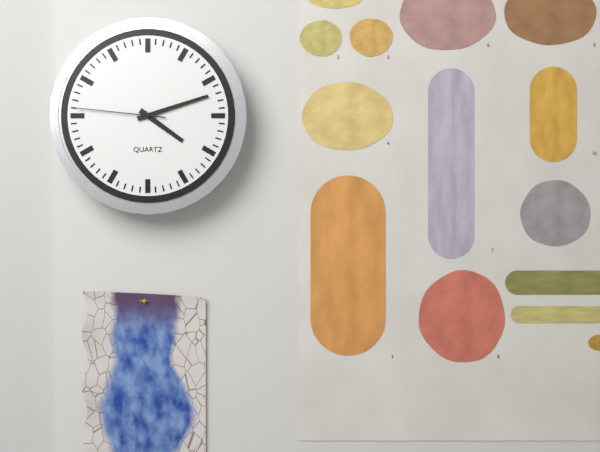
4:12:46
